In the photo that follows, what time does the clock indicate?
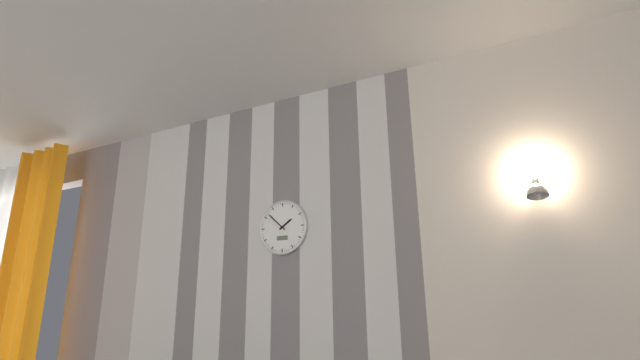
1:52
